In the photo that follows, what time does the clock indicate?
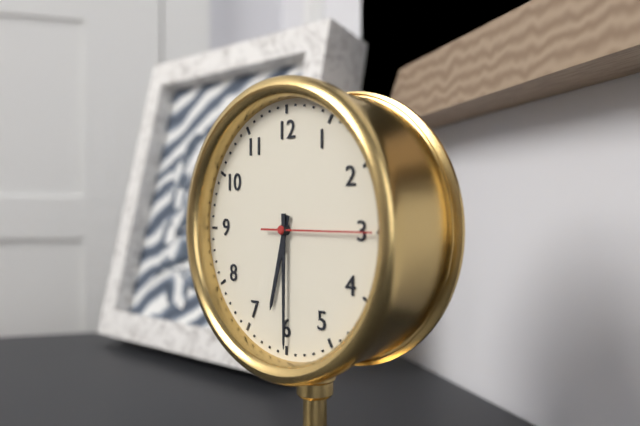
6:30:15
